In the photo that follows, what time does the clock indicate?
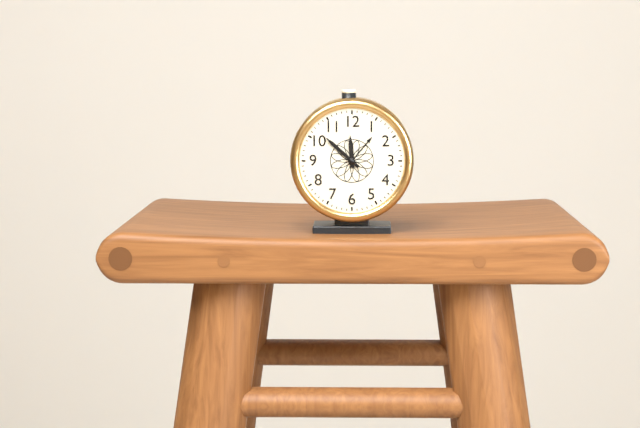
11:52
